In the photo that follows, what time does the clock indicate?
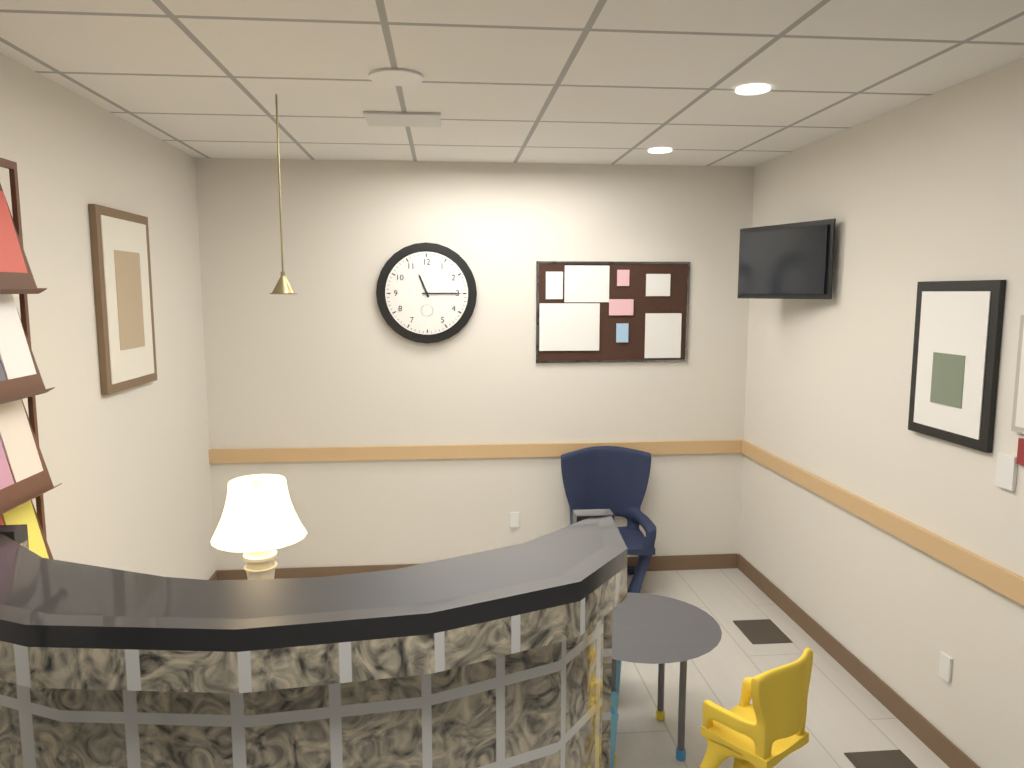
11:15
